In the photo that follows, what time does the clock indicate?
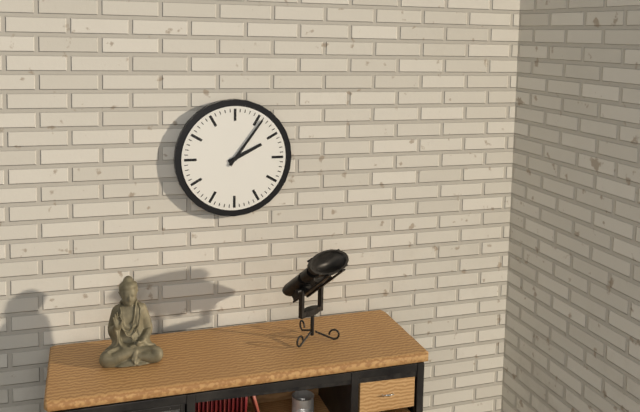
2:06
